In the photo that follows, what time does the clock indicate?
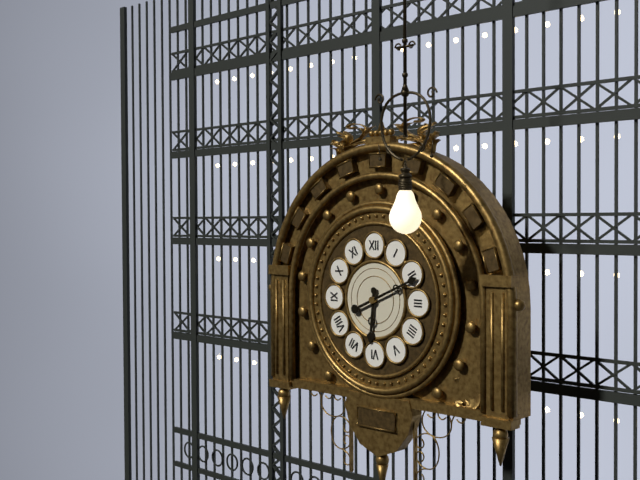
6:11
